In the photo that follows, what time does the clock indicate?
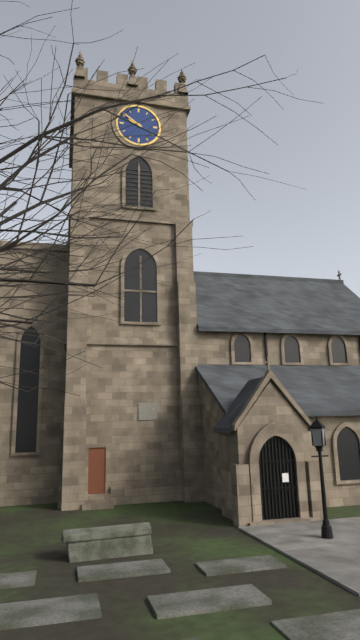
9:51
